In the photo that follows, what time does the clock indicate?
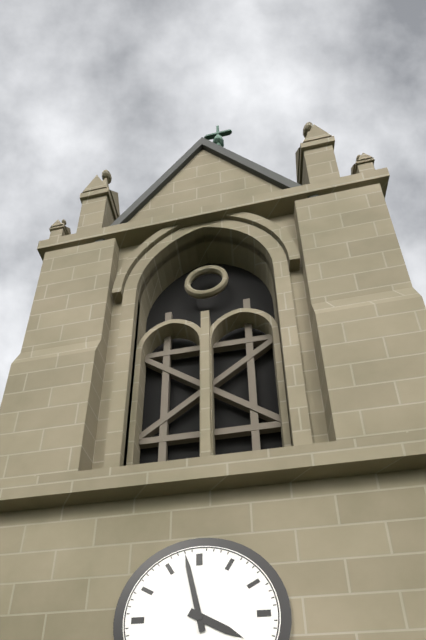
3:58
